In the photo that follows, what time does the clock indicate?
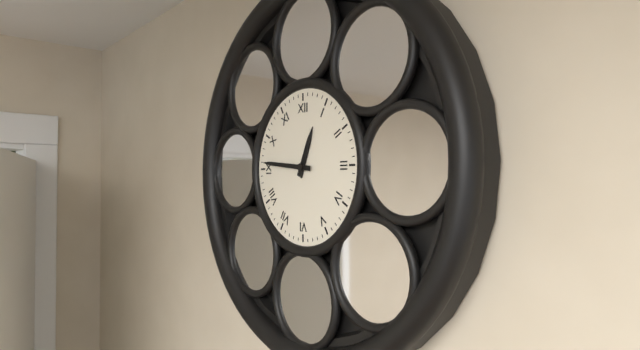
12:46
